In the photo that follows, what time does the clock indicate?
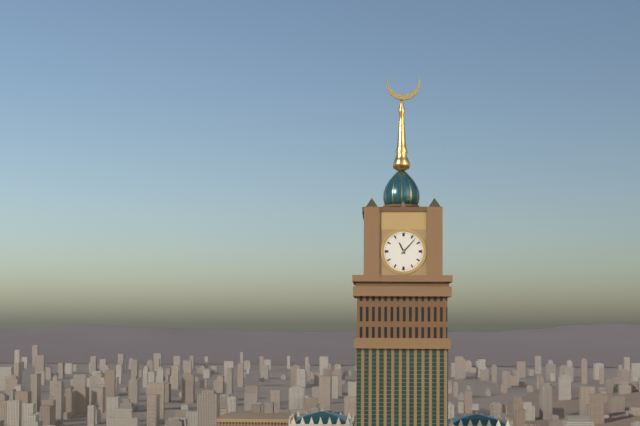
11:07
